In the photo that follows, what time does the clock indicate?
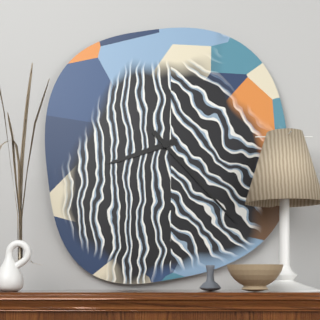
8:23
